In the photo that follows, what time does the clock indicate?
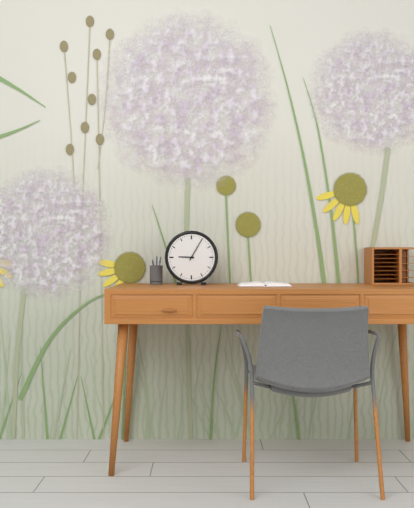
9:05
